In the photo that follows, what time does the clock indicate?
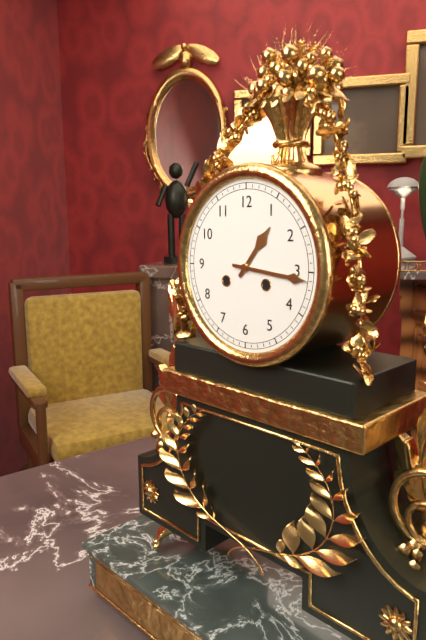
1:16
